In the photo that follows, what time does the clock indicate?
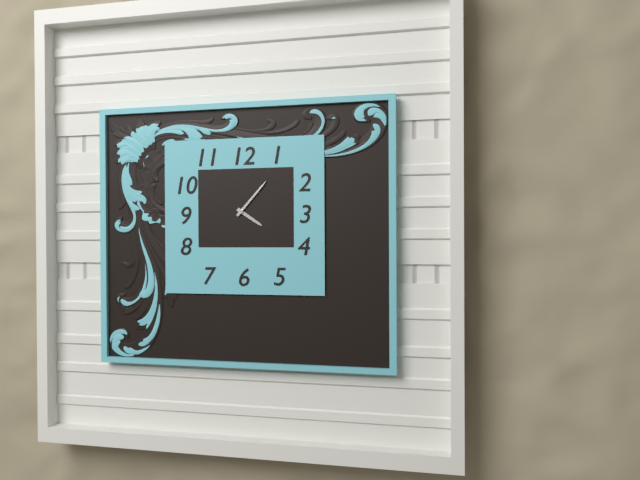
4:07
